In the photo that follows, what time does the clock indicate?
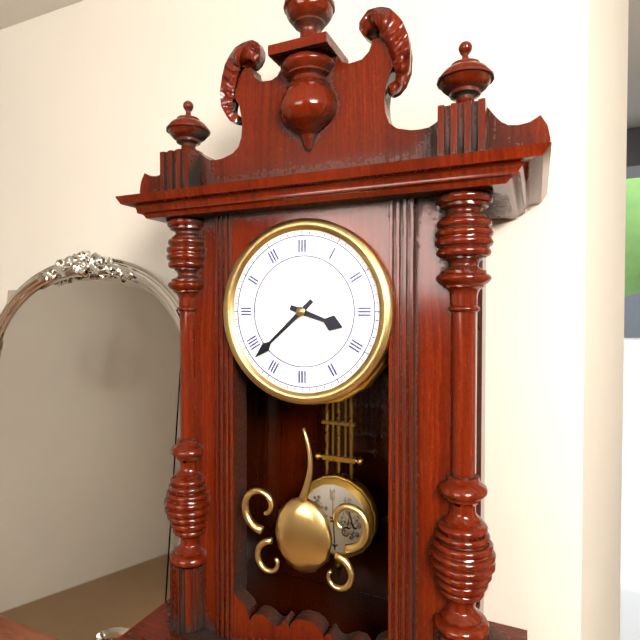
3:38
